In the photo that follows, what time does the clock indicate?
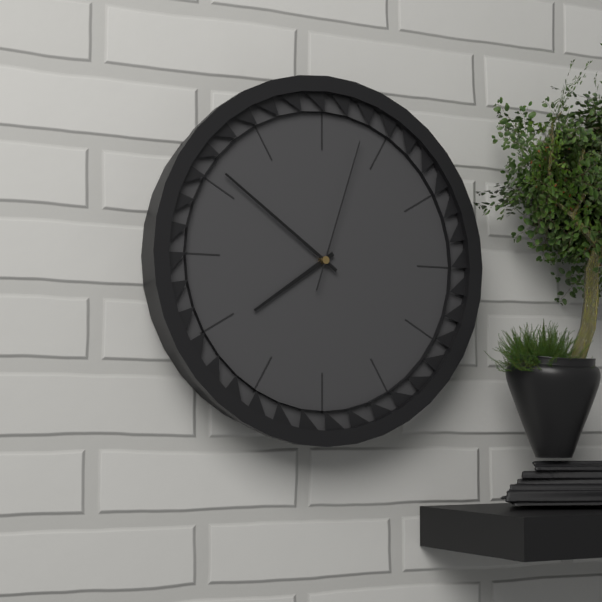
7:51:03
